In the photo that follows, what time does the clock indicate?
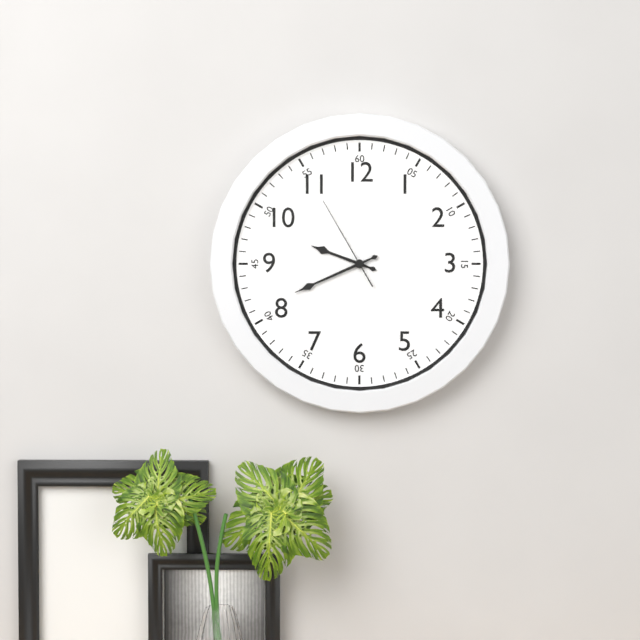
9:41:55
